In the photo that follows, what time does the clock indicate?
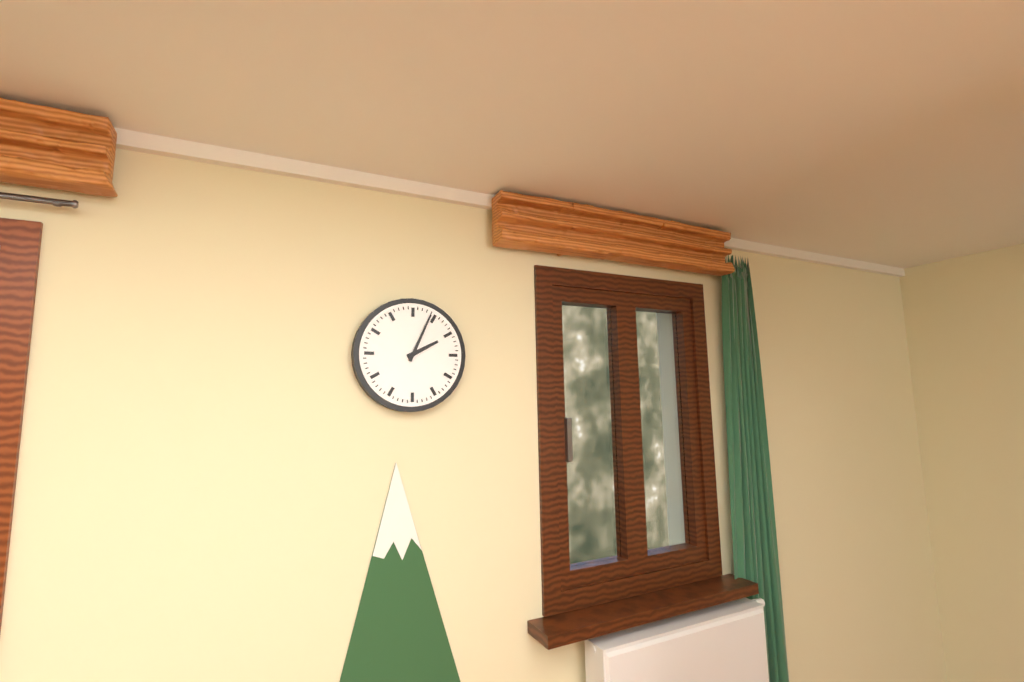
2:04
